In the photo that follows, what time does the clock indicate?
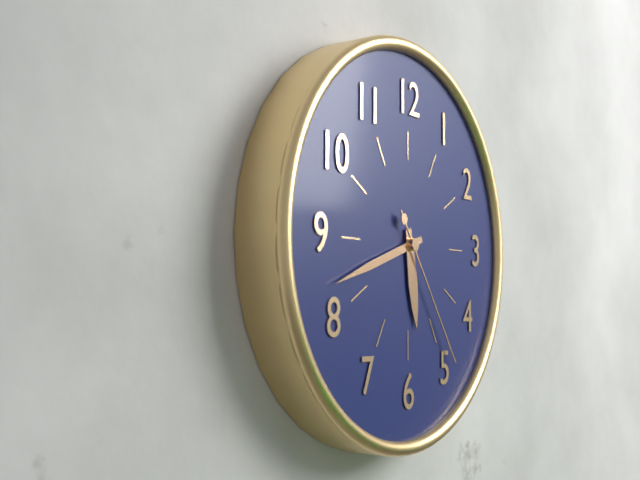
5:42:24
